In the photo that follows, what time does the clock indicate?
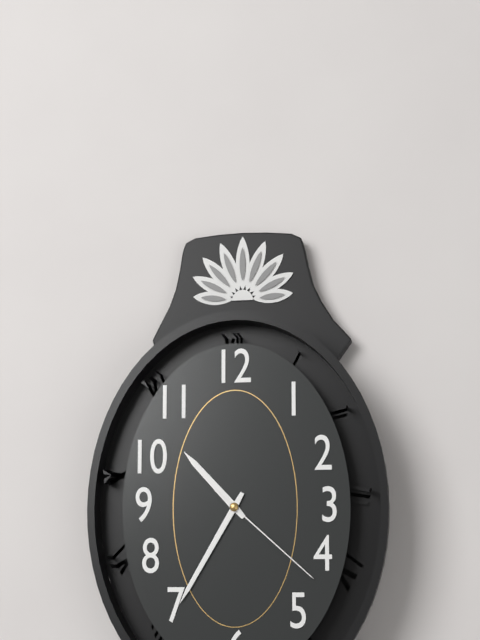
10:35:22
